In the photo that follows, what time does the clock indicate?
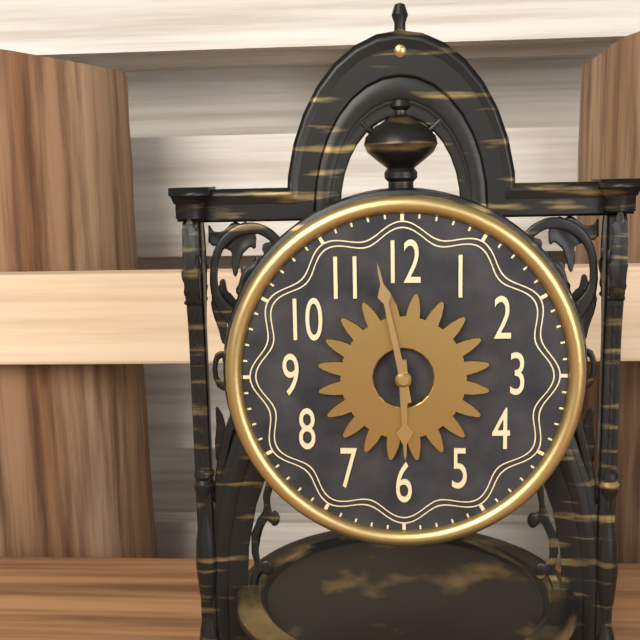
5:58
